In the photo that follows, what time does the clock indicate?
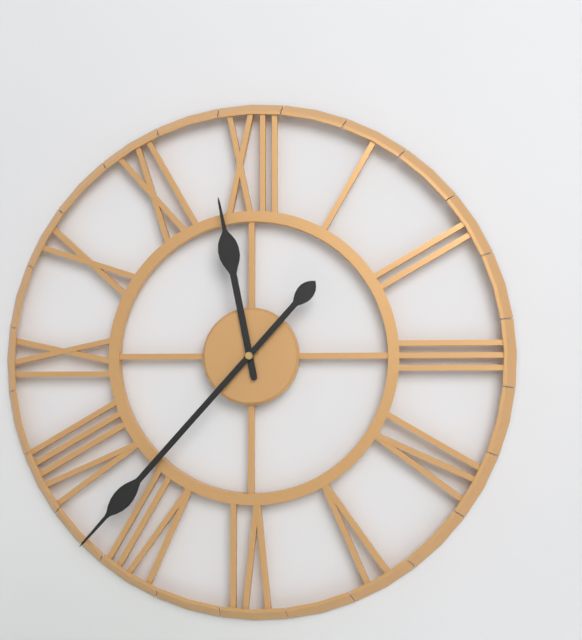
11:37
